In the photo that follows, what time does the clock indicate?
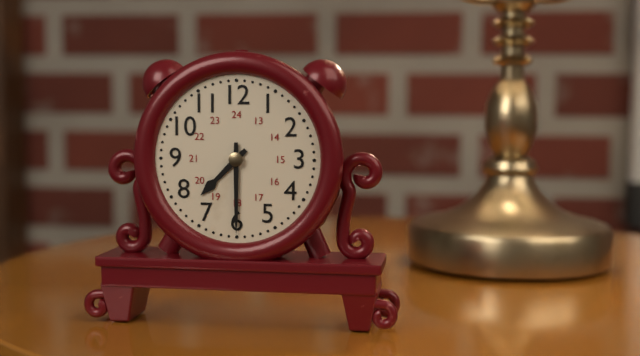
7:30
